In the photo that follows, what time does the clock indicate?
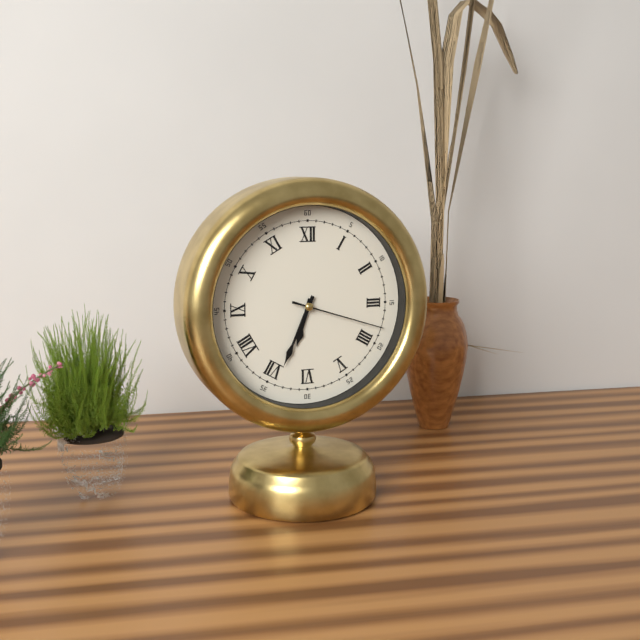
6:34:18
